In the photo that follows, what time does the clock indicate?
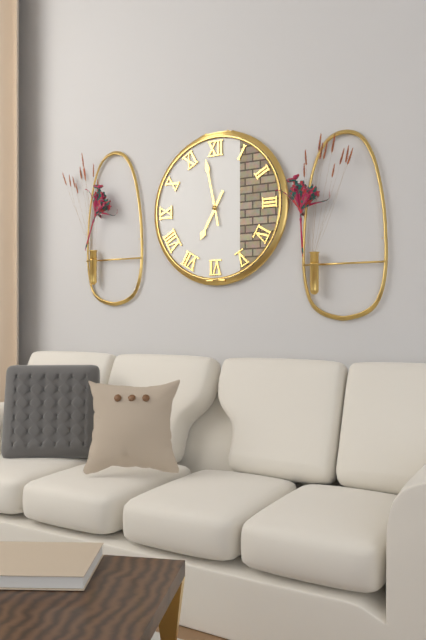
6:58
